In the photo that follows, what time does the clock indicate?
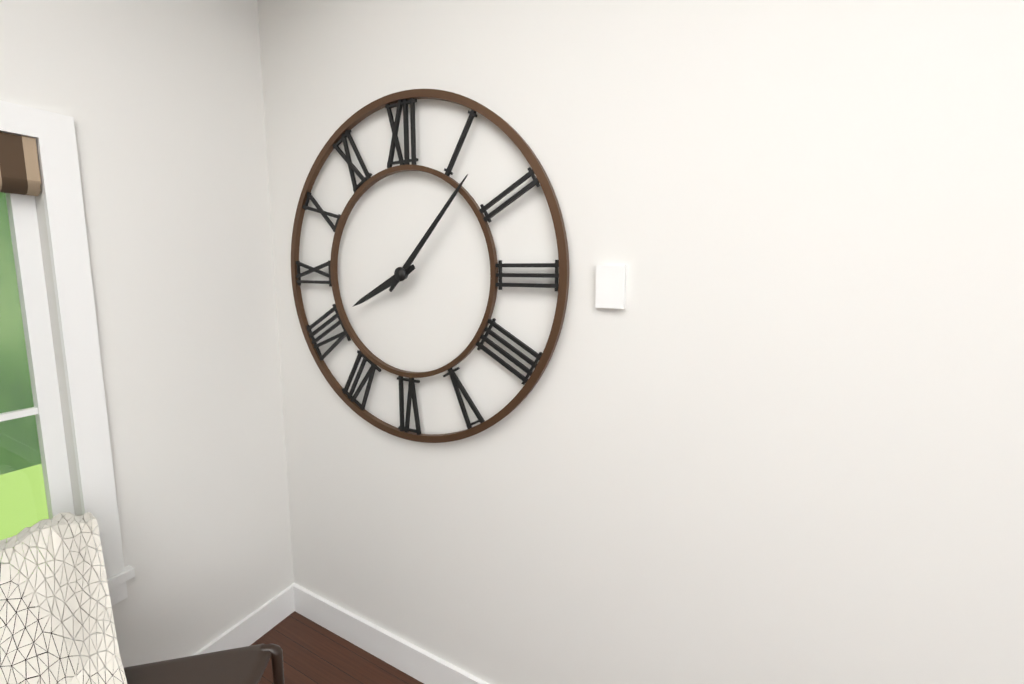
8:07
